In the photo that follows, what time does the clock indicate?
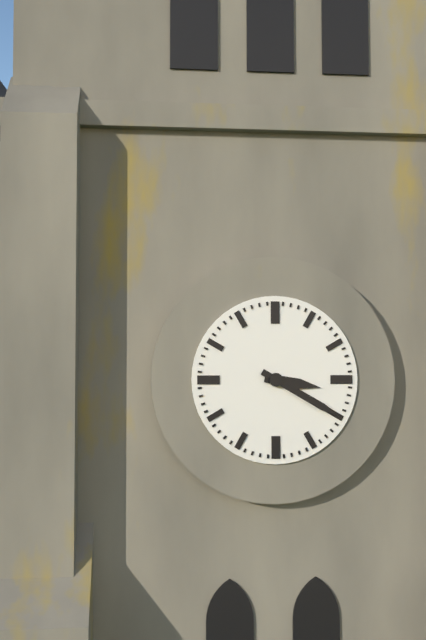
3:20
